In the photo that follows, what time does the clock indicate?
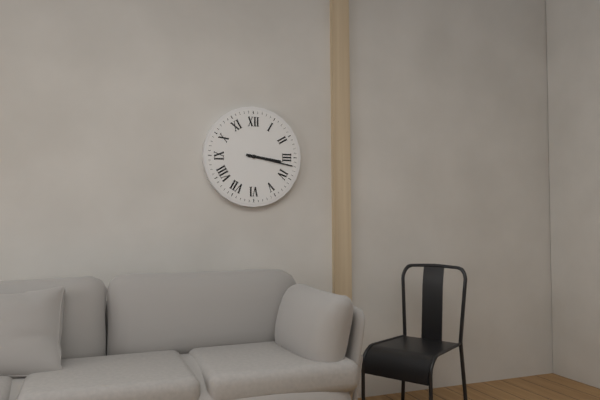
3:17
